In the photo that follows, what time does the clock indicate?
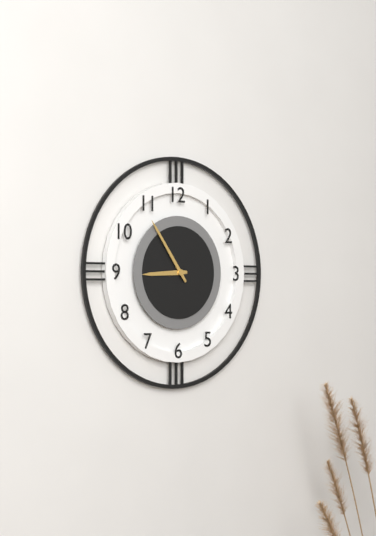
8:54
